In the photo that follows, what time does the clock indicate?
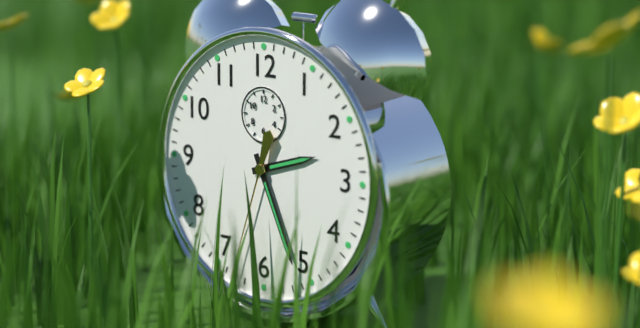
2:26:33
